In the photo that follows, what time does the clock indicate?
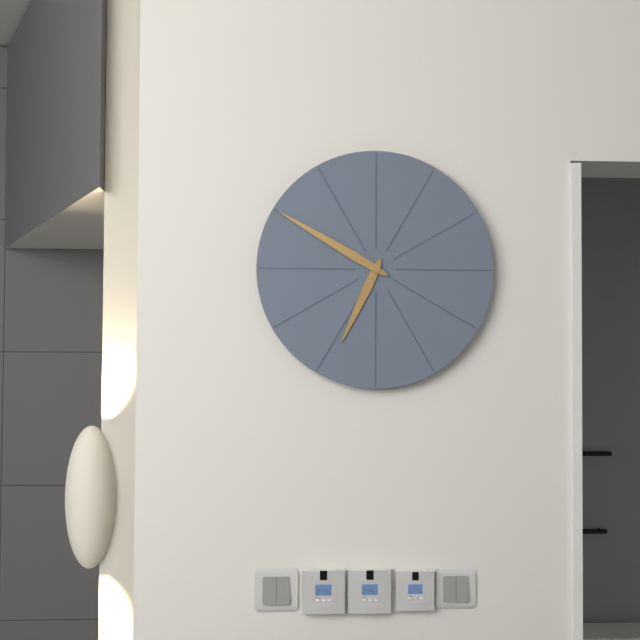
6:50
